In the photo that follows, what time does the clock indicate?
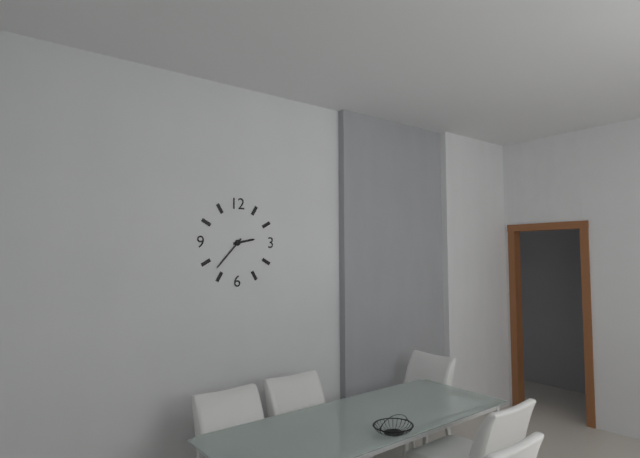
2:37
